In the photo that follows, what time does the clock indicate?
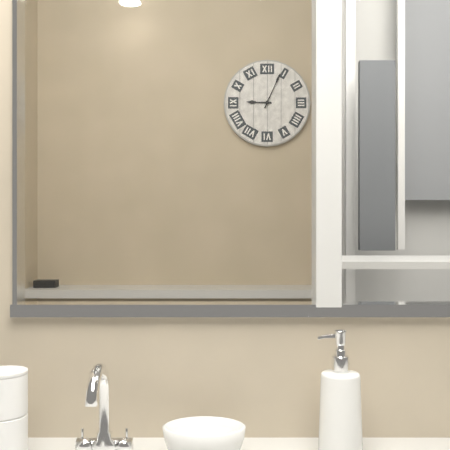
9:04
